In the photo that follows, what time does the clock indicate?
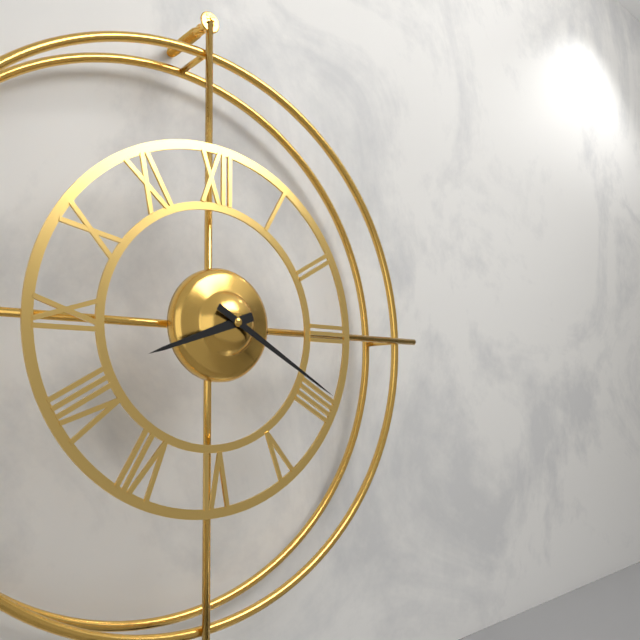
8:20
